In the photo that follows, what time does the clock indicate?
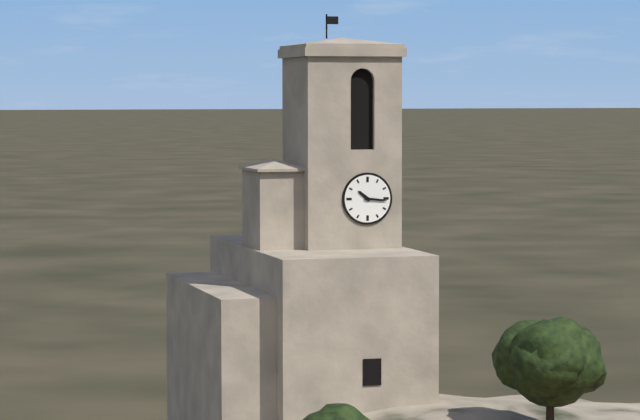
10:16
